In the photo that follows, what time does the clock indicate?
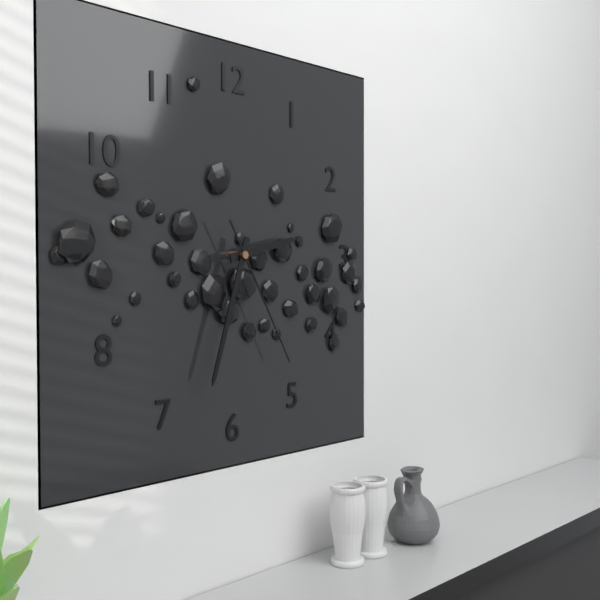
2:33:25
